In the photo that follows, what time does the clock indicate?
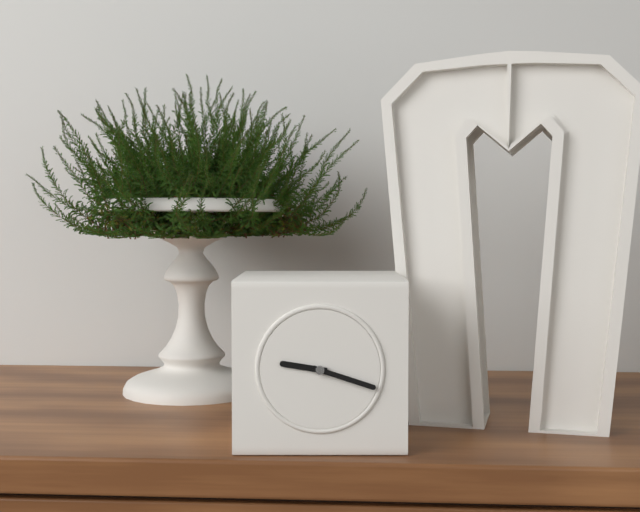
9:18
